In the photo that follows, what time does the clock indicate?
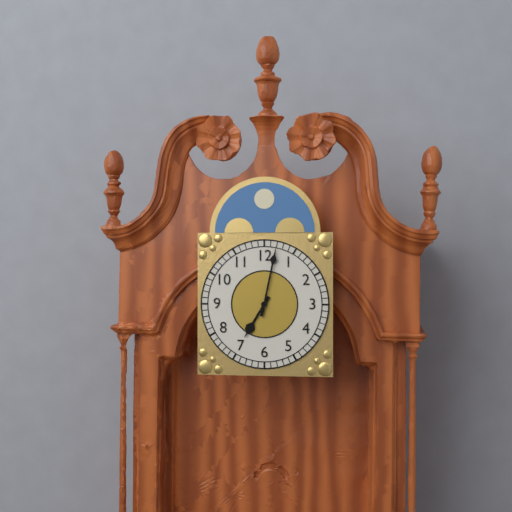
7:02
